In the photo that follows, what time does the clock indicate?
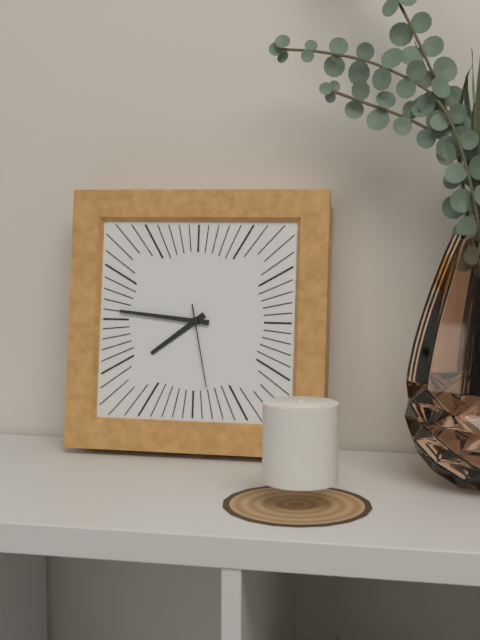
7:46:28
